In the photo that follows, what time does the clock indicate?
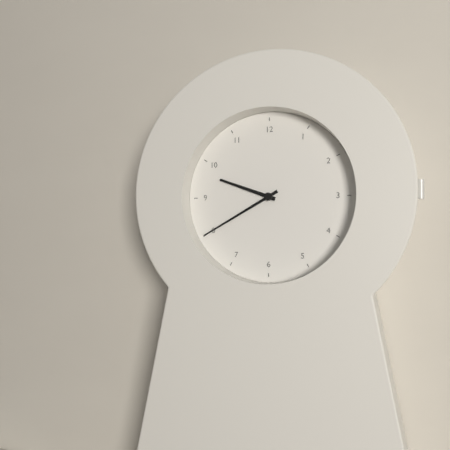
9:40
